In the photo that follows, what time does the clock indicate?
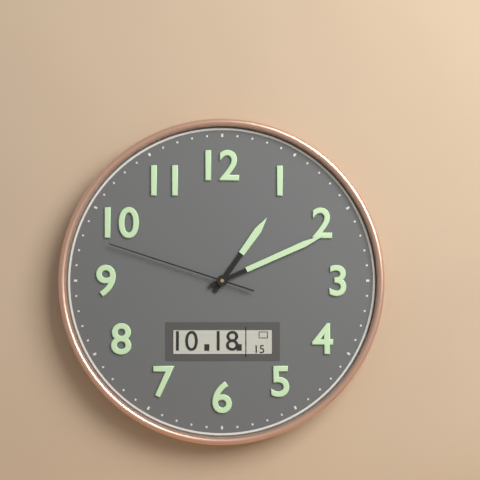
1:11:48
